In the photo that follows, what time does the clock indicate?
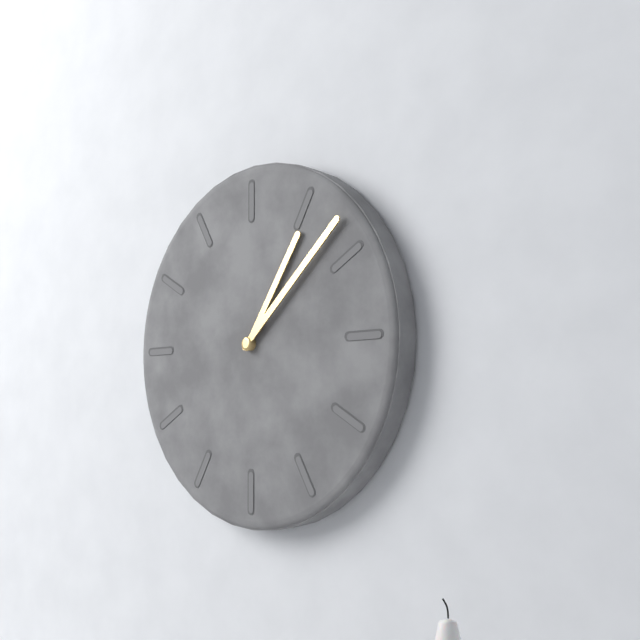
1:08
